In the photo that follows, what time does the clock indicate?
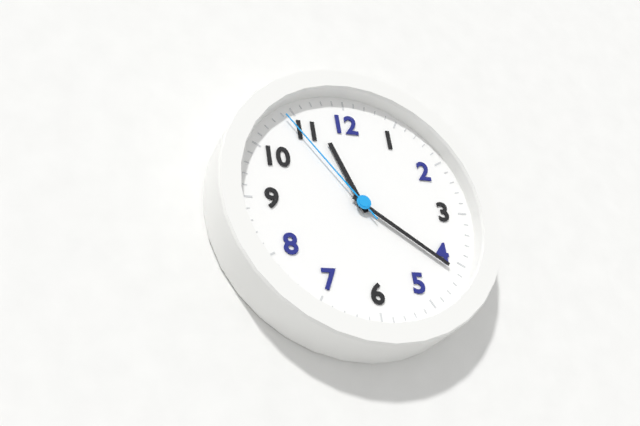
11:21:54
